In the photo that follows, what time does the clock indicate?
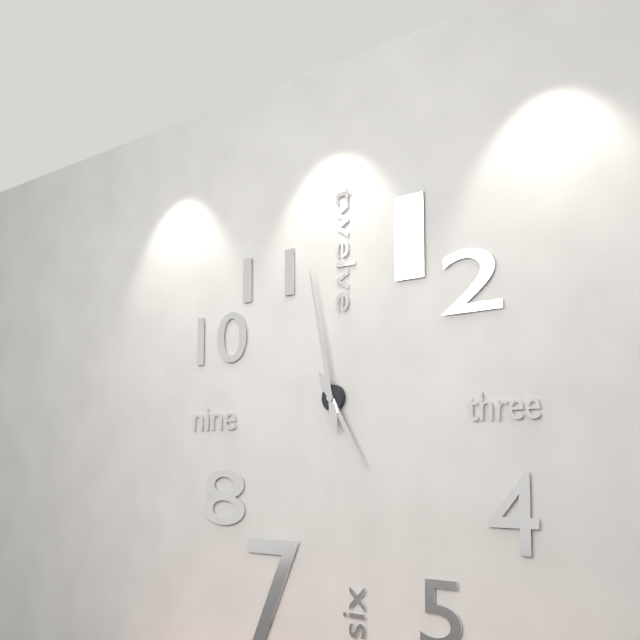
4:58
